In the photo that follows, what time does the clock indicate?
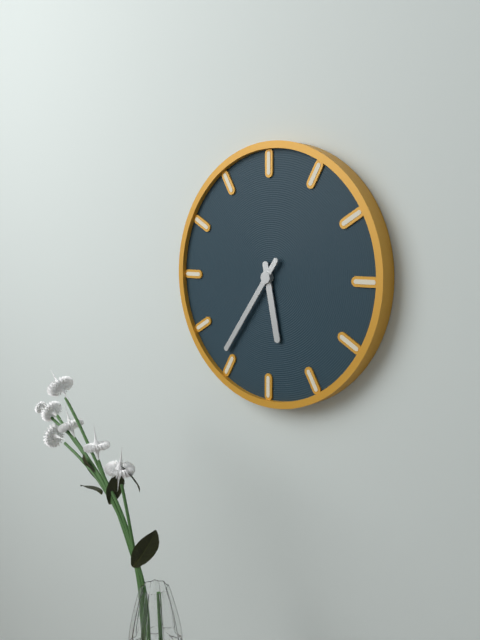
5:36
